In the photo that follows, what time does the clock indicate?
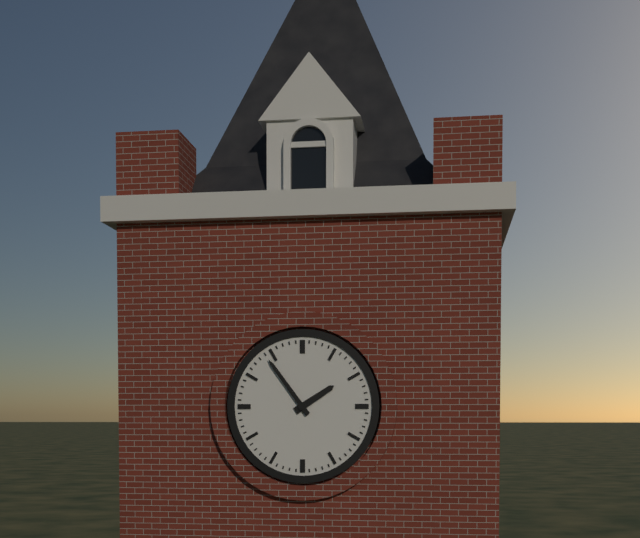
1:54
